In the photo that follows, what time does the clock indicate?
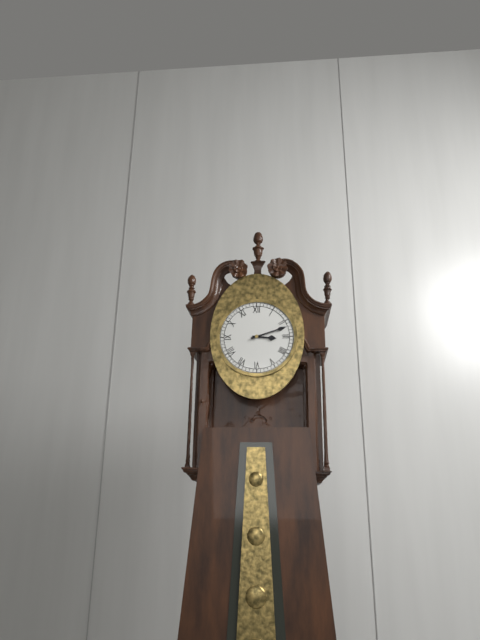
3:12
